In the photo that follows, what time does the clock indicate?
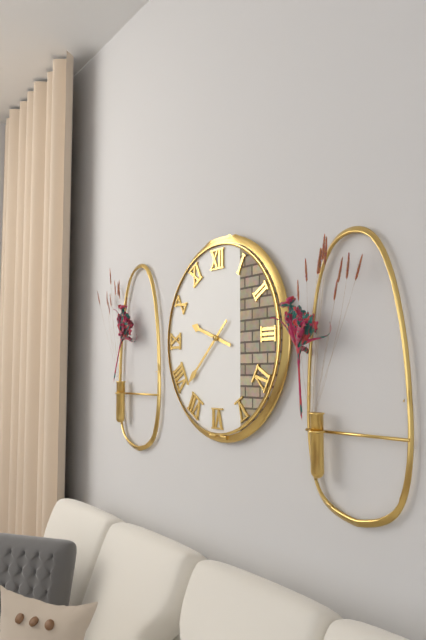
9:38
